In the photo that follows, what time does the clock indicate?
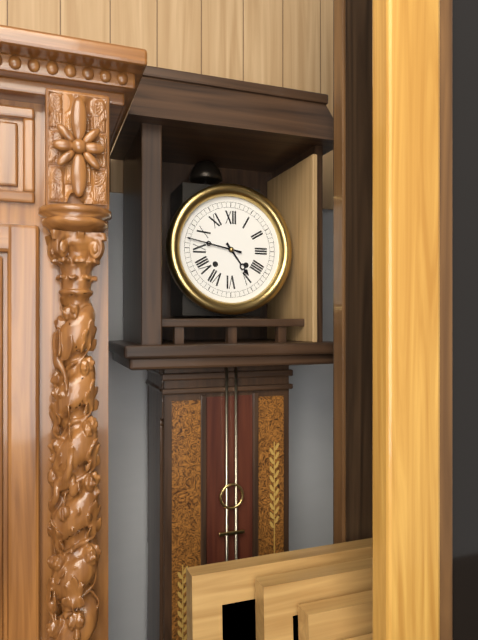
4:47
